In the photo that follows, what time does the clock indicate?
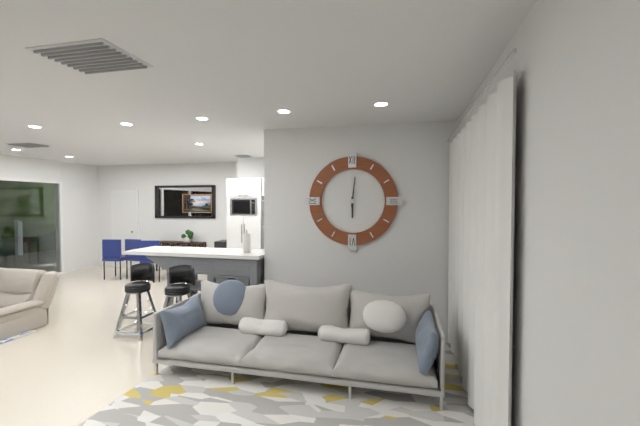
6:01
